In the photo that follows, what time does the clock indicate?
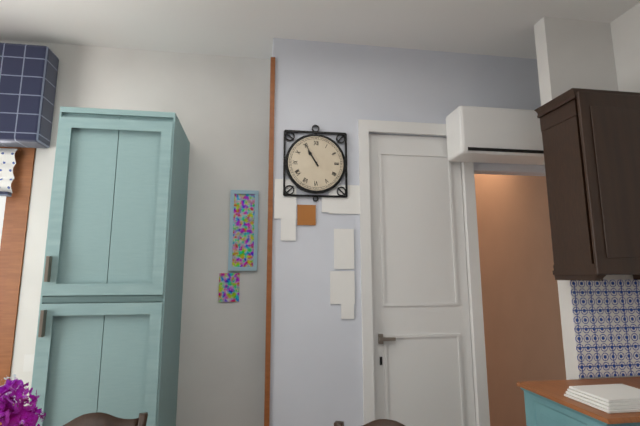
10:55
